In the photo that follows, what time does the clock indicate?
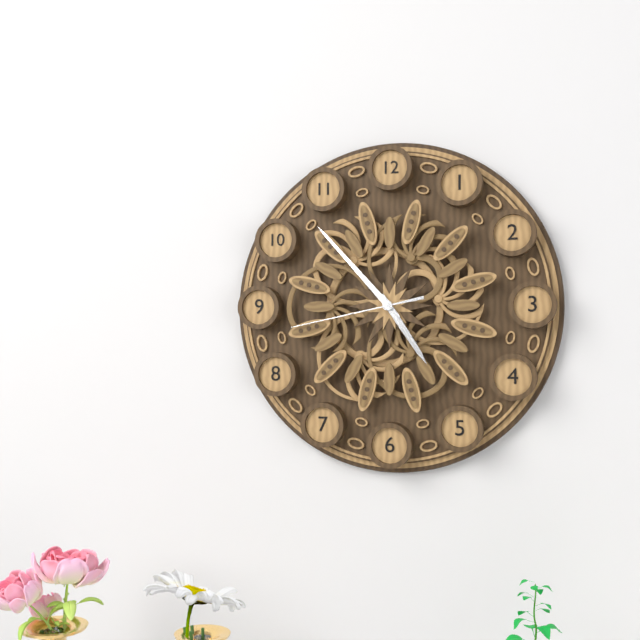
4:53:43
